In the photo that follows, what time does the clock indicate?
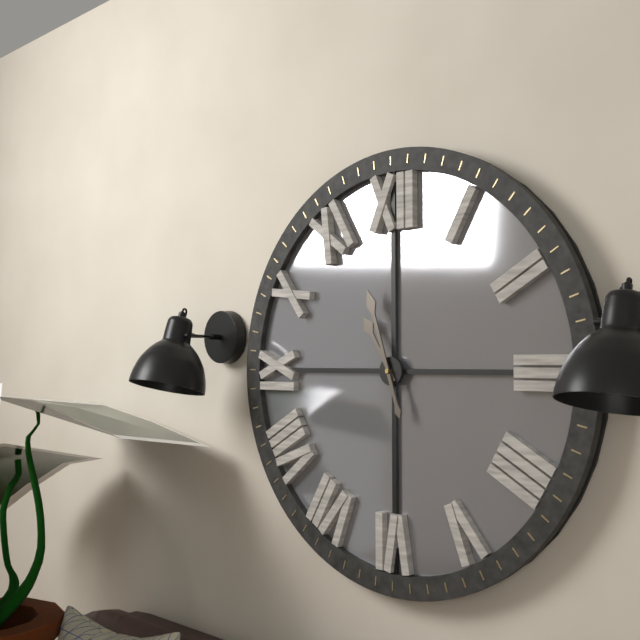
10:57
